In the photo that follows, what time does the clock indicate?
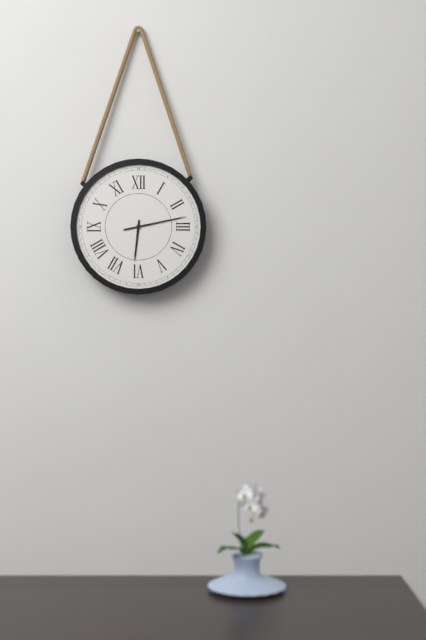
6:13
